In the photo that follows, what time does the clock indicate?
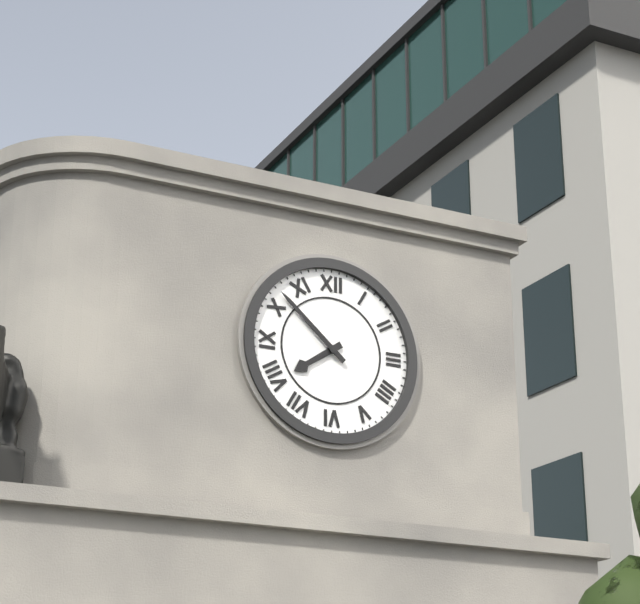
7:52
